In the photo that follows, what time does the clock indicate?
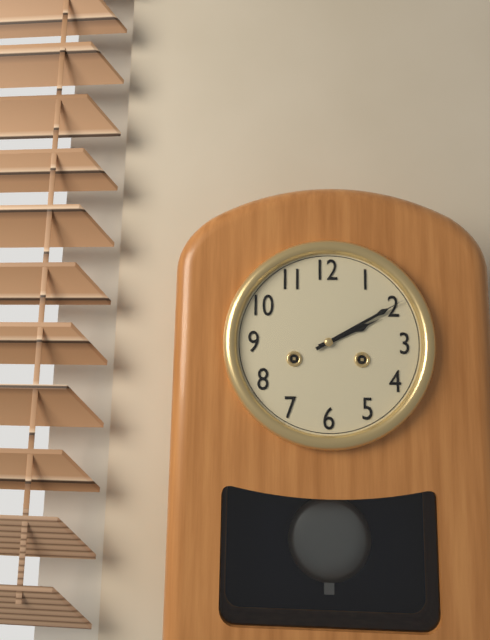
2:10
